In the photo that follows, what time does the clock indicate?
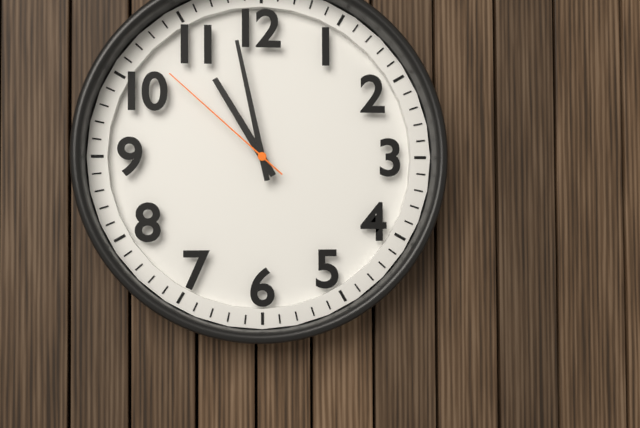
10:58:52
